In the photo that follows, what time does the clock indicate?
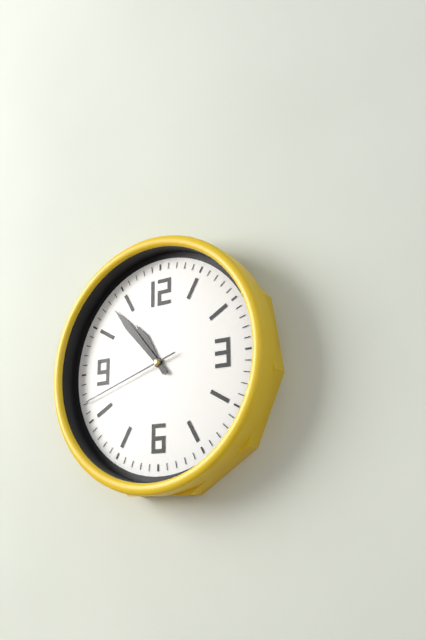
10:53:42
